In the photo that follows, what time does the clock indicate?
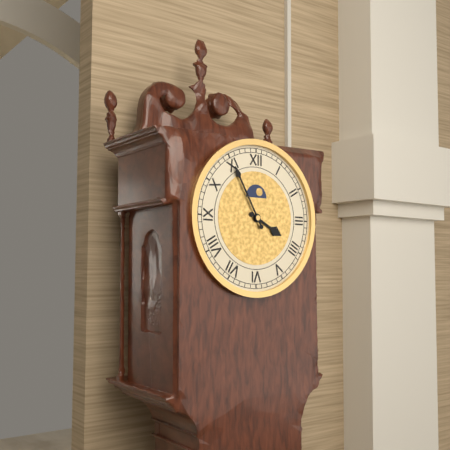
3:55
